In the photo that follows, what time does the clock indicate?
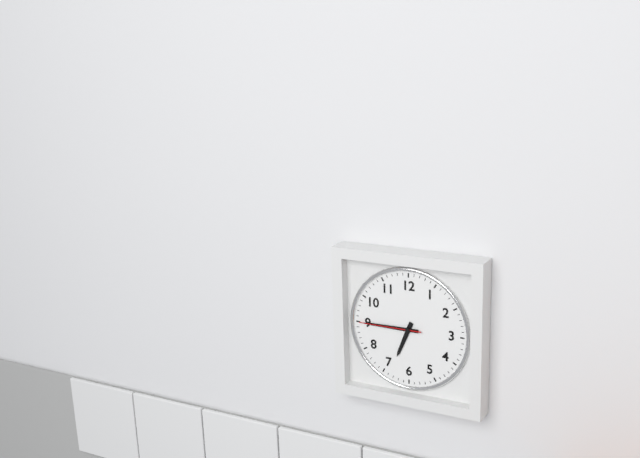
6:45:45
